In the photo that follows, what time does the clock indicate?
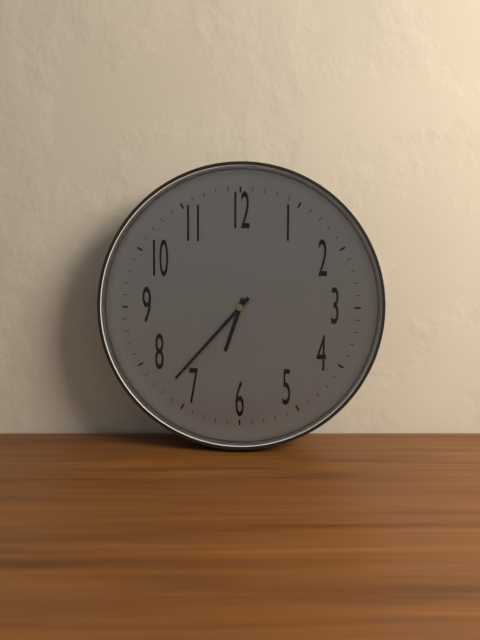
6:37
